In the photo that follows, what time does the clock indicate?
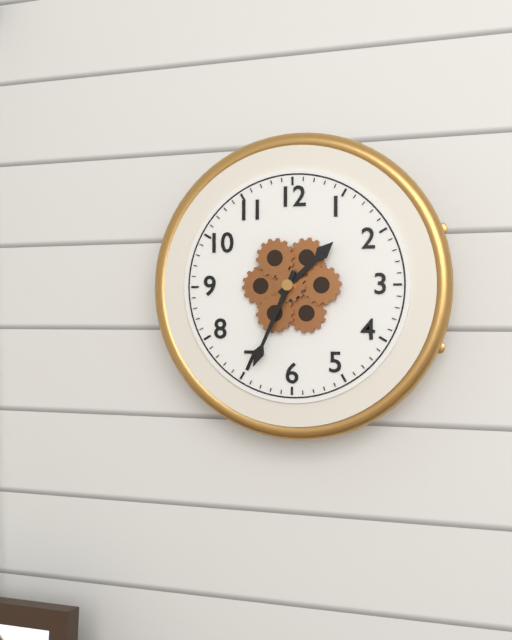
1:34
